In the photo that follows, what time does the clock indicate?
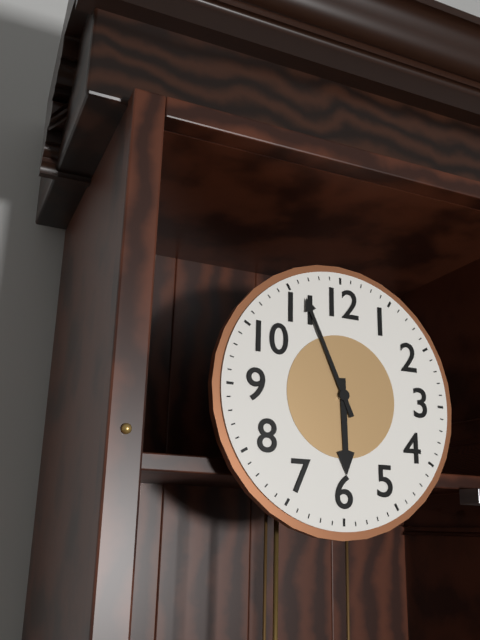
5:56
